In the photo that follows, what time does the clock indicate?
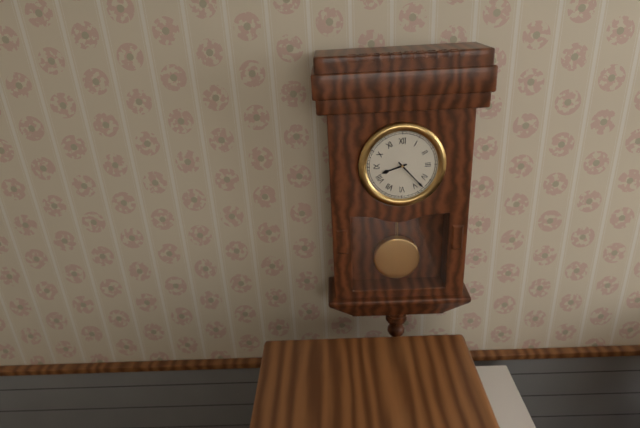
8:23
